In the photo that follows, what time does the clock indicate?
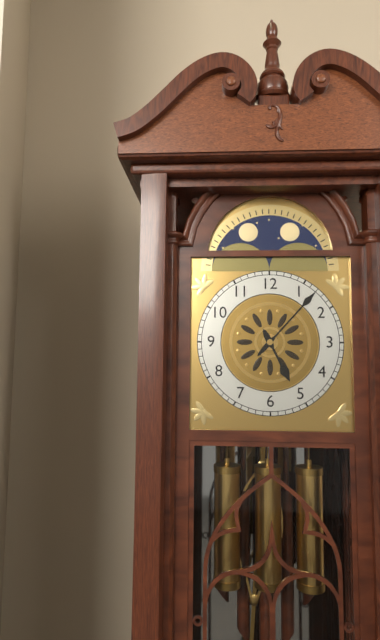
5:07
